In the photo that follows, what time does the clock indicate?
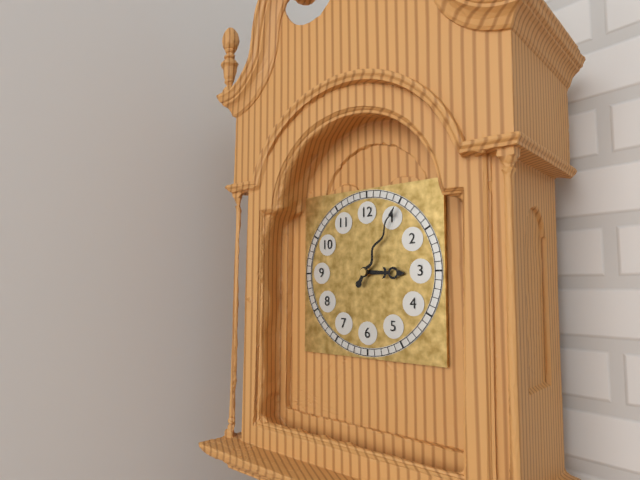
3:05
